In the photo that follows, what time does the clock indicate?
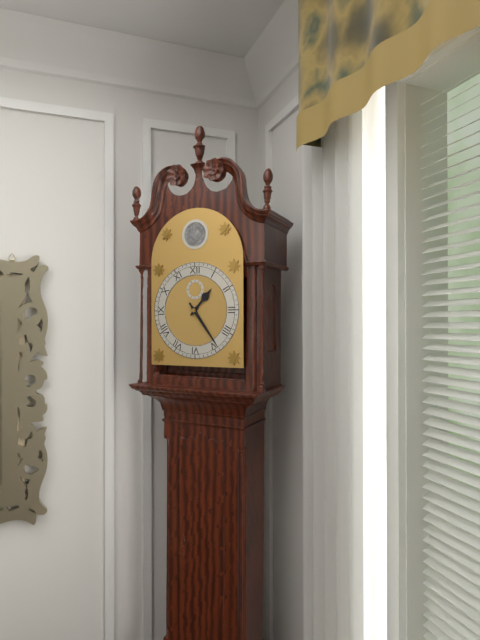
1:24
